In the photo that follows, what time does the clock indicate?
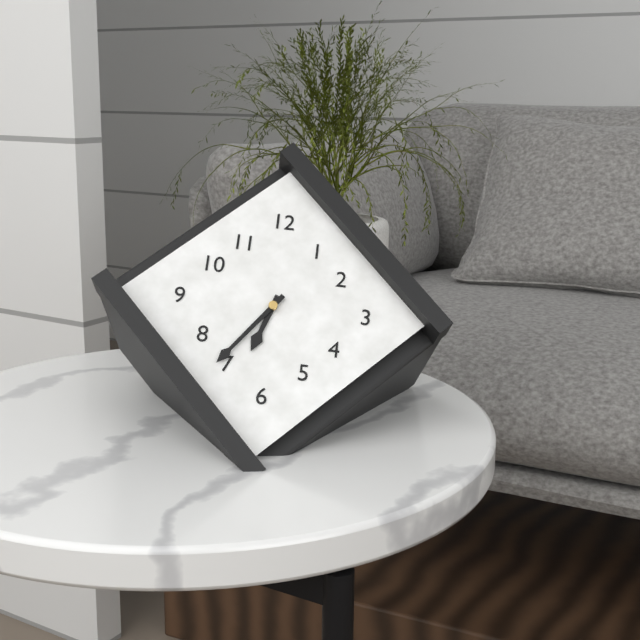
6:36
